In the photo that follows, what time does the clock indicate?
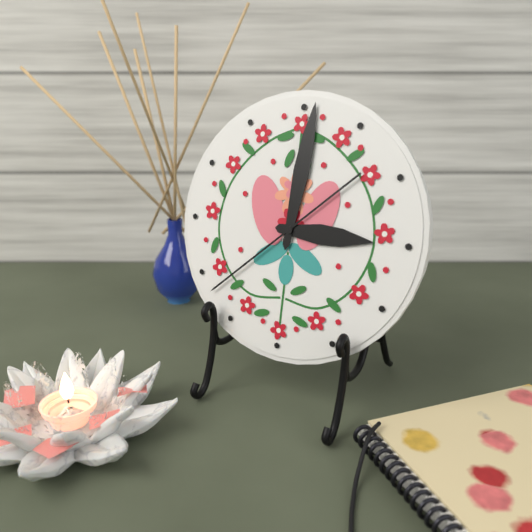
3:01:38
